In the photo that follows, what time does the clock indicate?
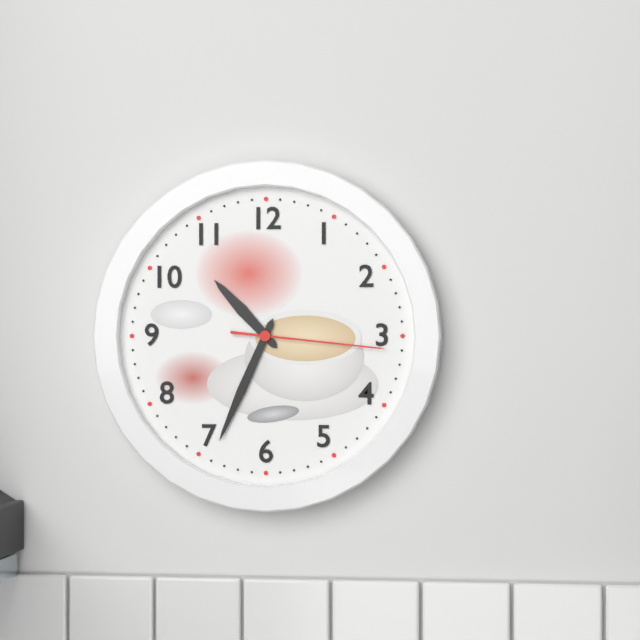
10:34:16
